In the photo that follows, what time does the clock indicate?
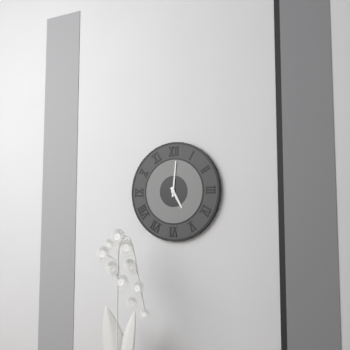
5:01
